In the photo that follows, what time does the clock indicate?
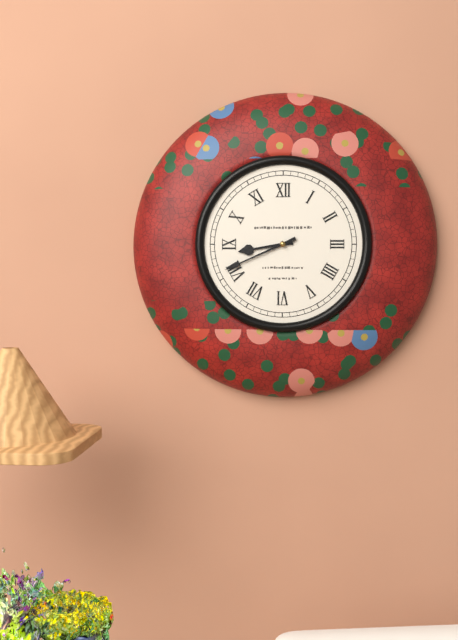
8:41
